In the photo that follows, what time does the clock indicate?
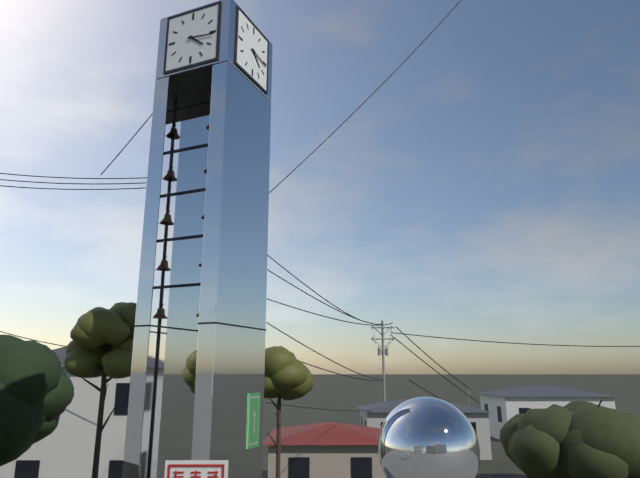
4:16
